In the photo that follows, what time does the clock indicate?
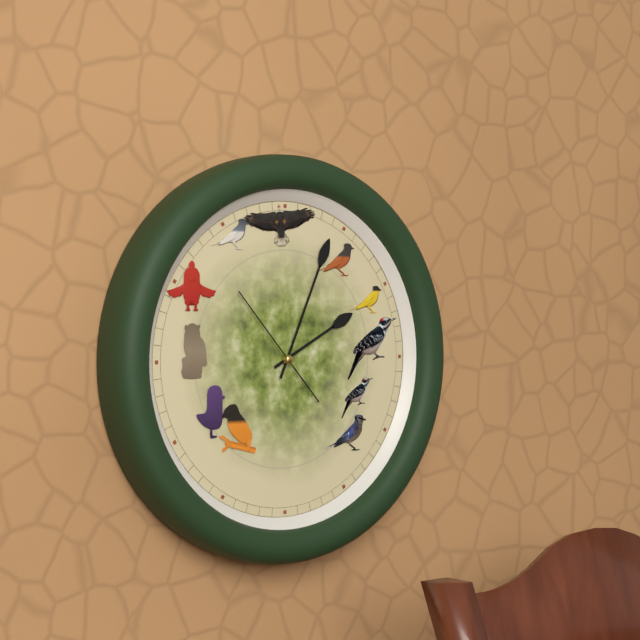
2:04:53
